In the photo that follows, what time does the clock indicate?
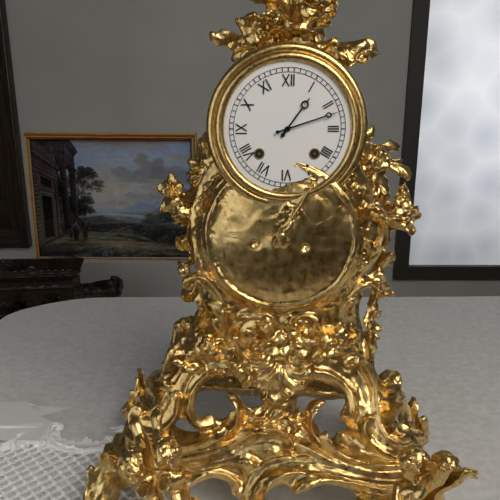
1:12
